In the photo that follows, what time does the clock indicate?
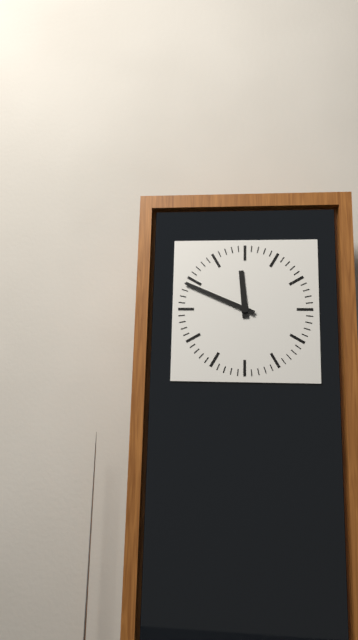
11:49
